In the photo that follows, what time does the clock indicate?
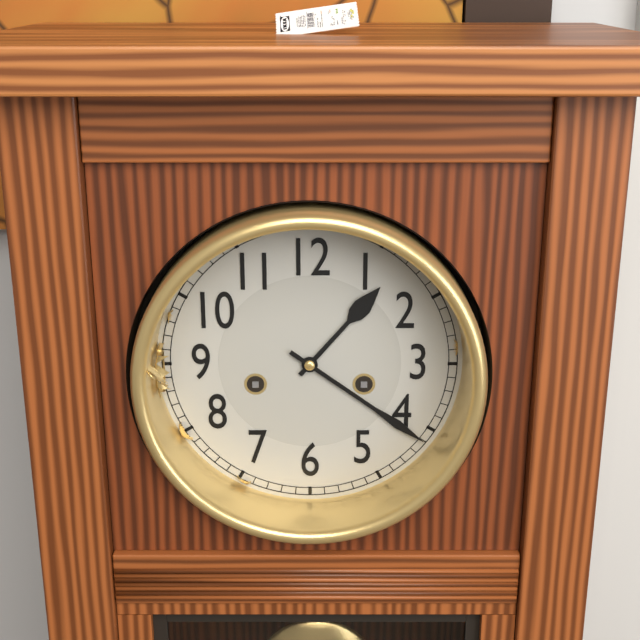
1:21
